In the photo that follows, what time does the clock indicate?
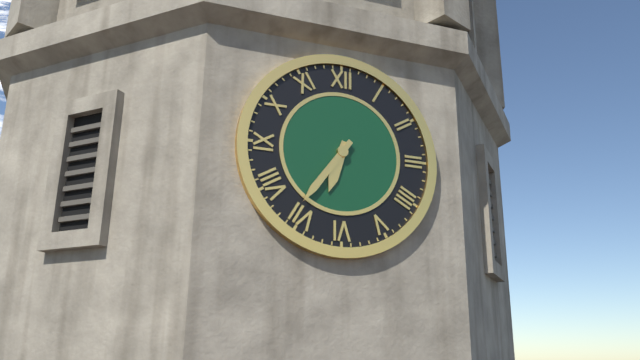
6:36
